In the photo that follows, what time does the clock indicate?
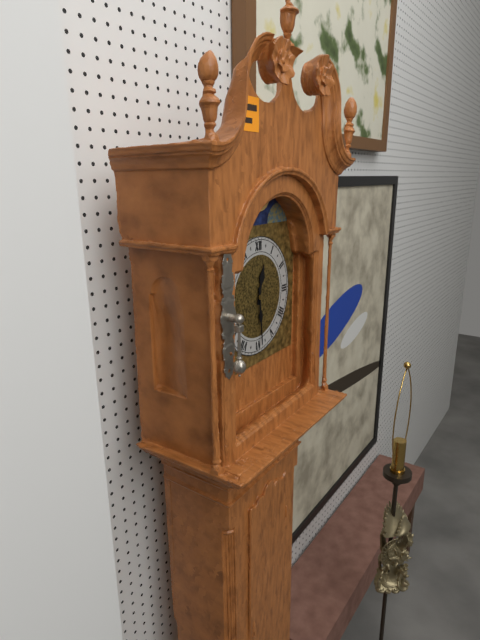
12:29
